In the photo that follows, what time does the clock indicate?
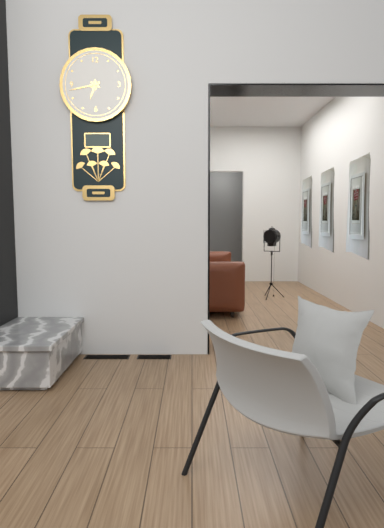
6:43
